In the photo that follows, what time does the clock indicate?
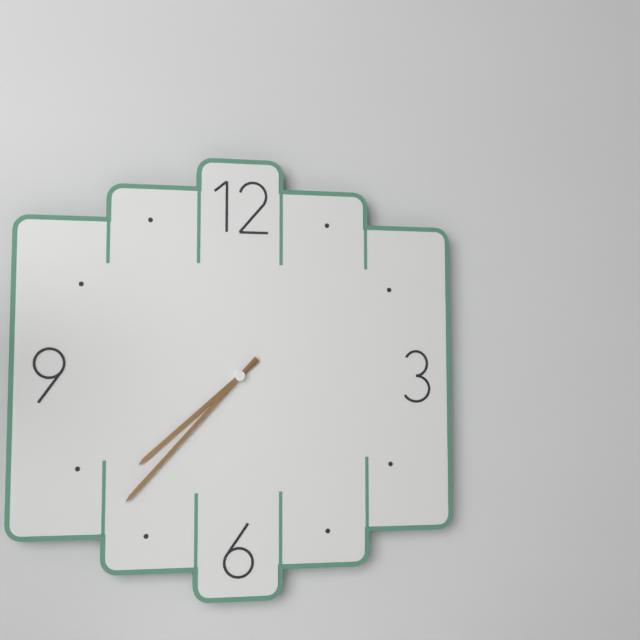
7:37
